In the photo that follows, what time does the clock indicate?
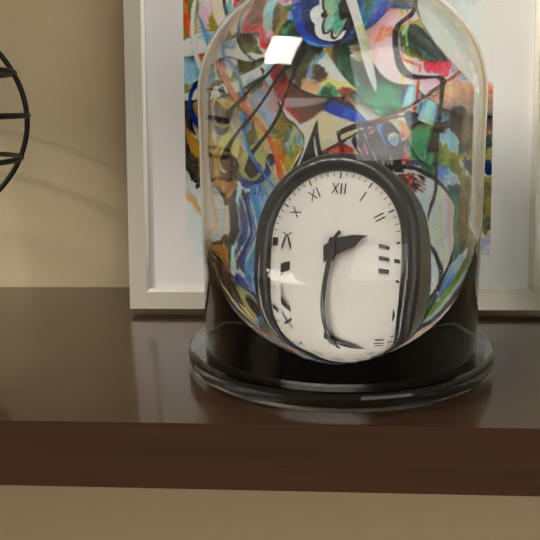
2:36
